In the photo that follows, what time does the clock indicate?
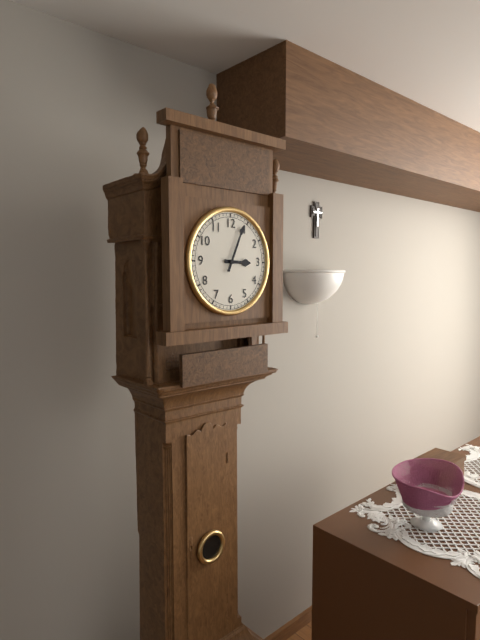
3:04
